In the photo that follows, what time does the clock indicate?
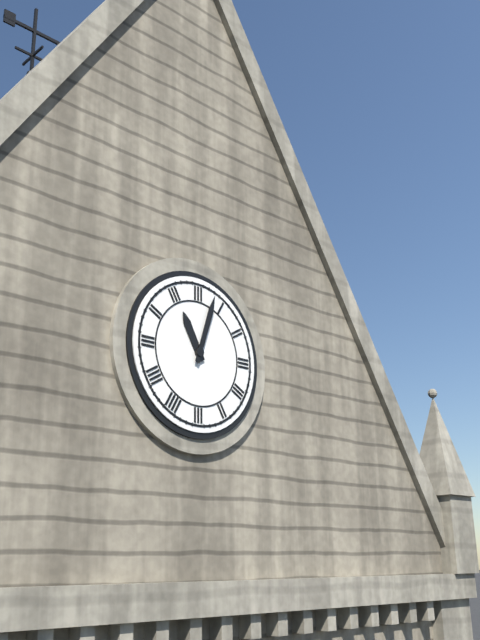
11:03
